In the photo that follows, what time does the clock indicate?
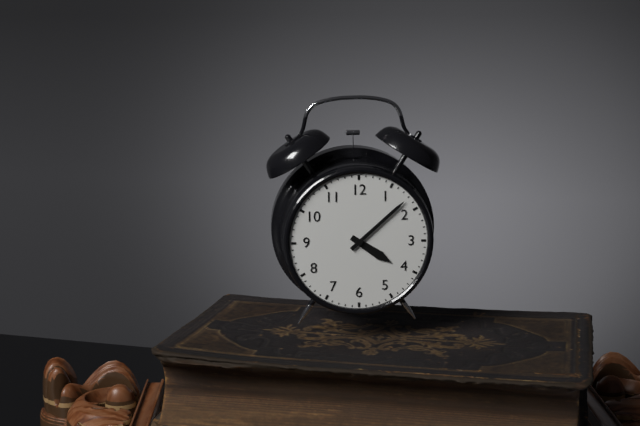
4:08
